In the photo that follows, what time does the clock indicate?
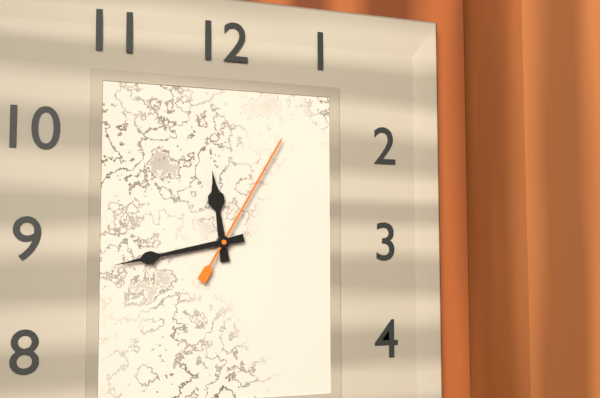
11:43:05
